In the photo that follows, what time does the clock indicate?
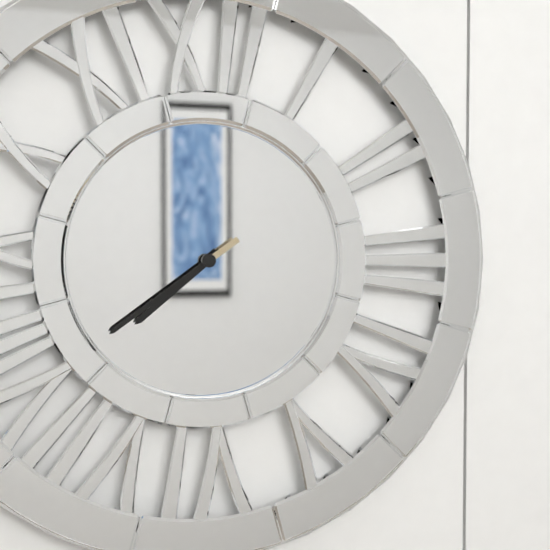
7:39
